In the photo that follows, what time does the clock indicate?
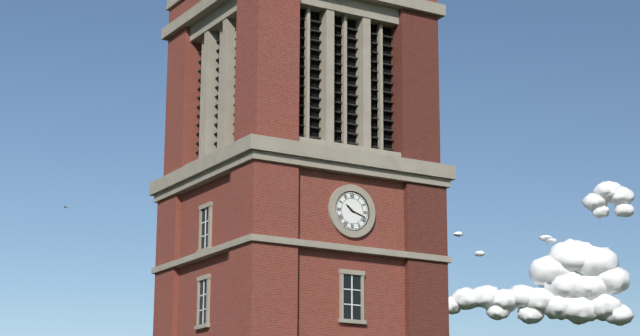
10:18
